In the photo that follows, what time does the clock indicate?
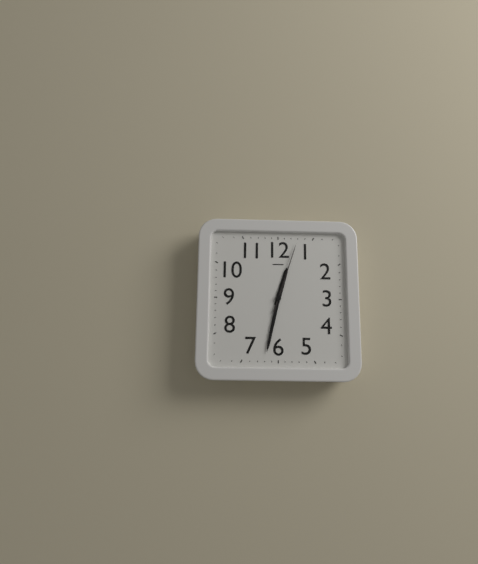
12:32:03
